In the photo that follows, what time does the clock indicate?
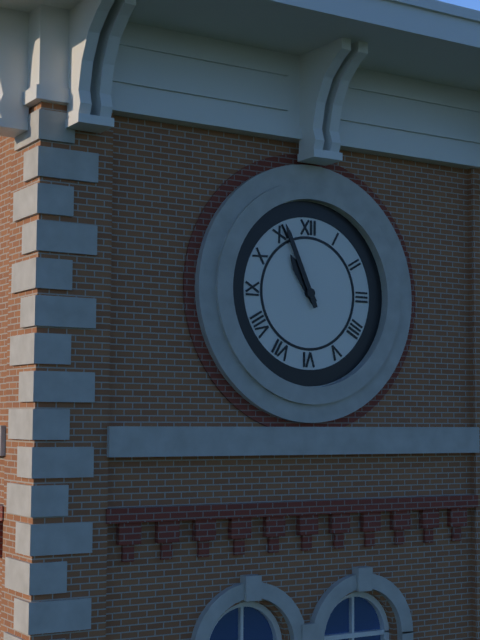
10:56
